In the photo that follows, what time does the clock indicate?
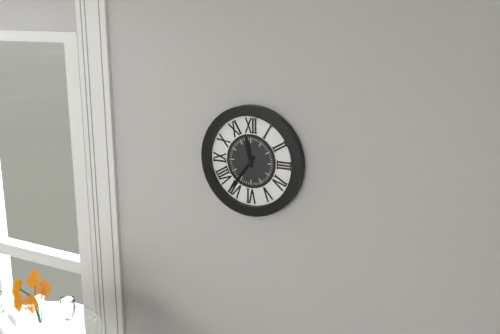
11:36
